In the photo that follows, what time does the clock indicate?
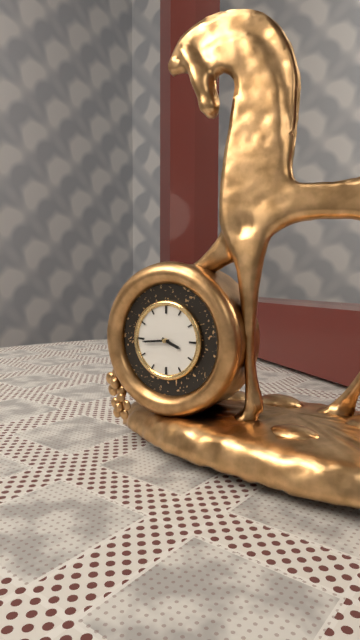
3:44
